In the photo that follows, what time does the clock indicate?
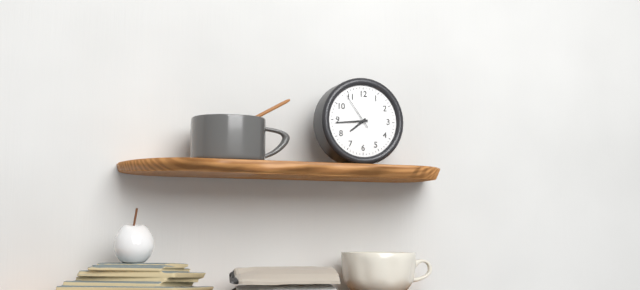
7:44
